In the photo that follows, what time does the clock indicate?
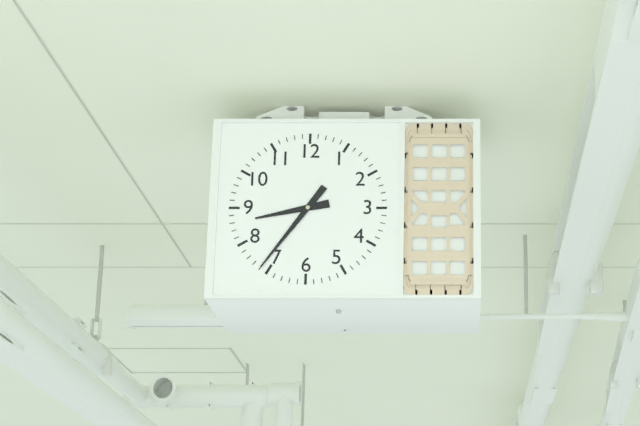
8:36
